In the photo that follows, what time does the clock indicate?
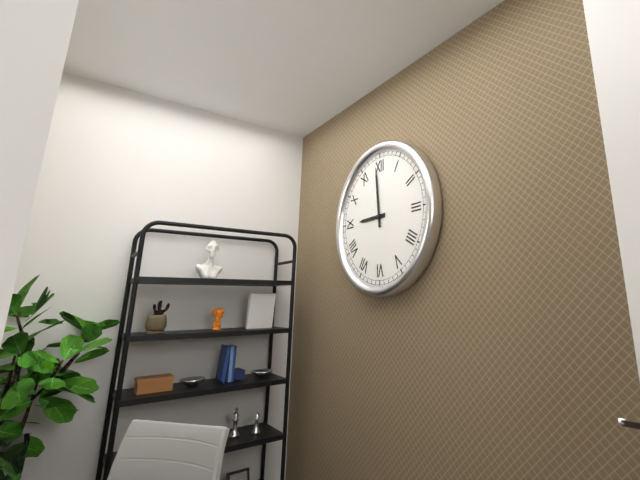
8:59
